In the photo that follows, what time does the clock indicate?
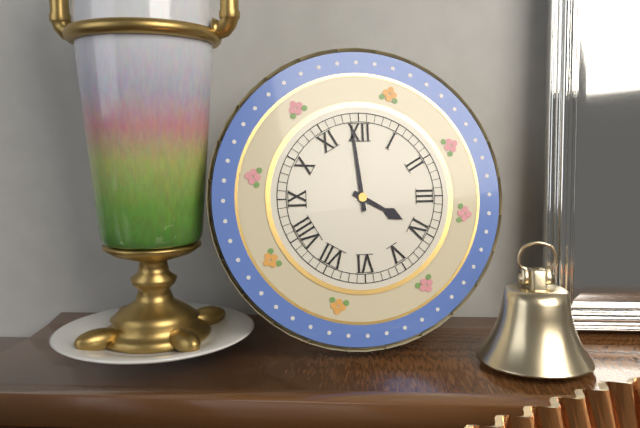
3:59
